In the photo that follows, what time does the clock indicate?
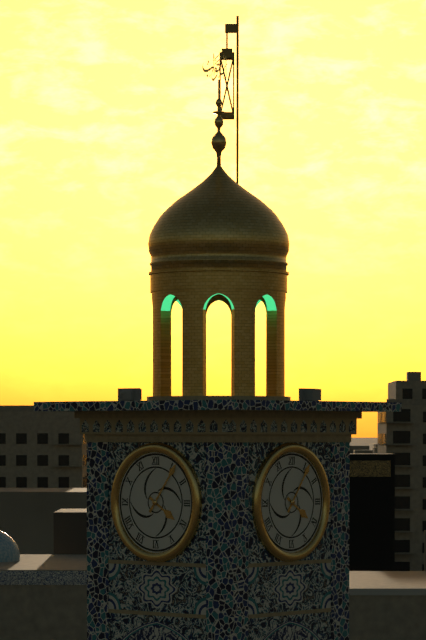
4:06
